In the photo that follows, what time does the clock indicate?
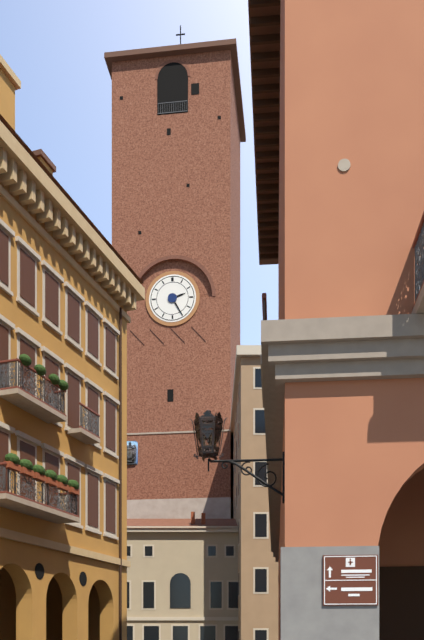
2:25
